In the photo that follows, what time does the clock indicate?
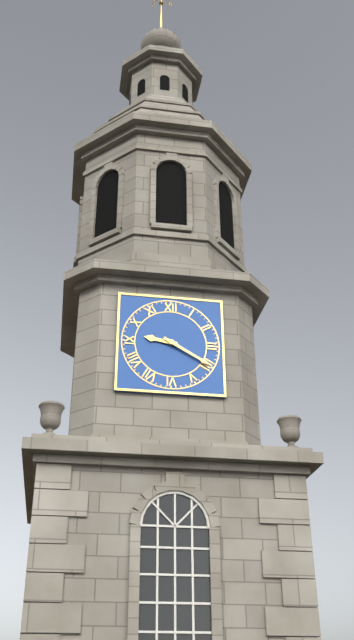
9:20
